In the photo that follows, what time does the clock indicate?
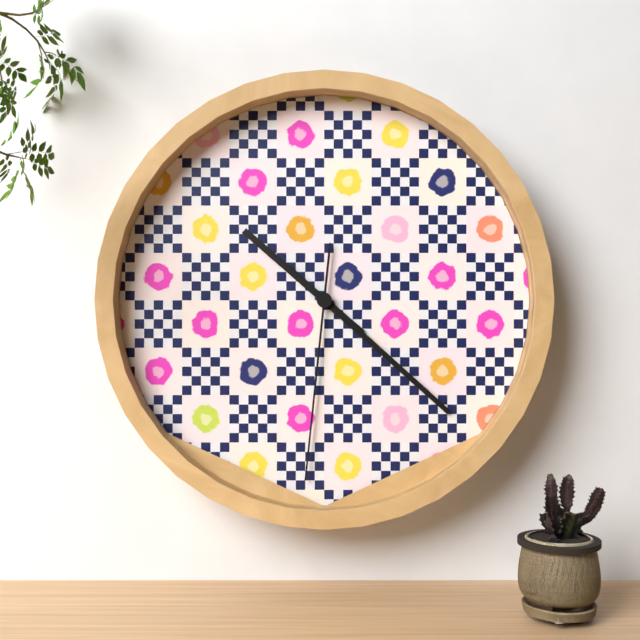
10:22:31
